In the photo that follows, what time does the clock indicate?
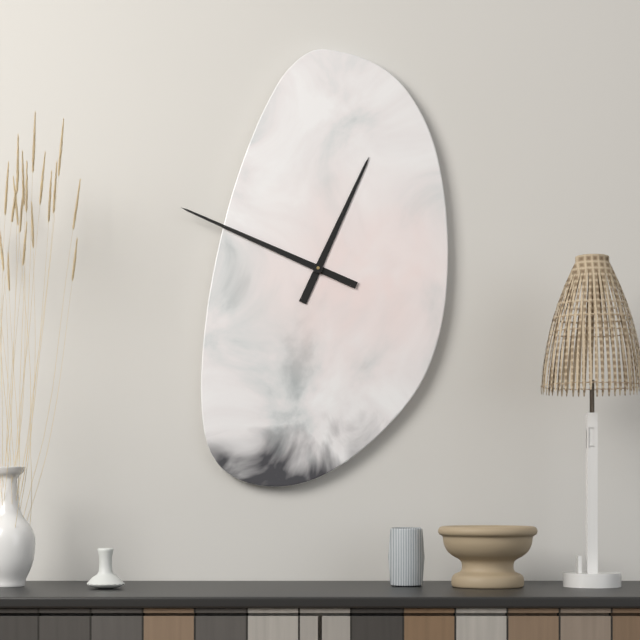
12:49
